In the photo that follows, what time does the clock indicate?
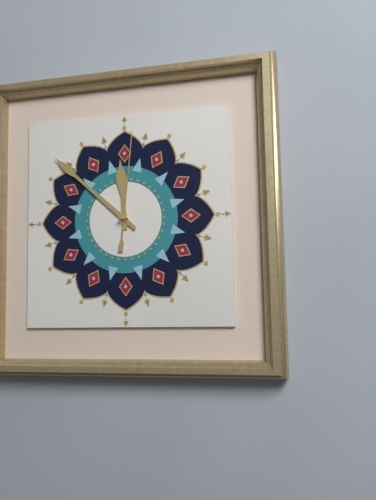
11:52:01
